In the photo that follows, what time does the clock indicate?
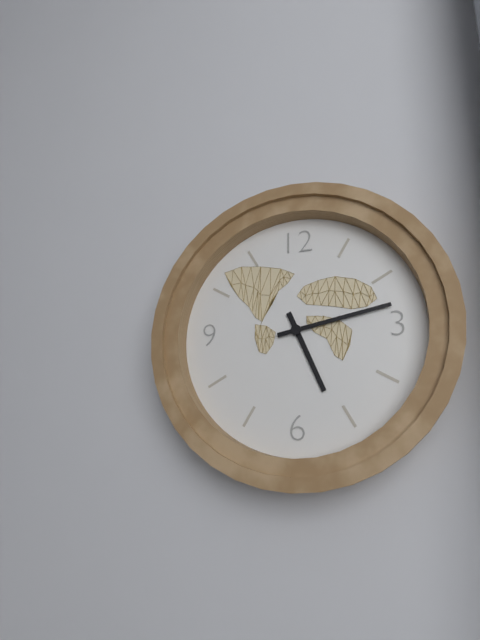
5:13
